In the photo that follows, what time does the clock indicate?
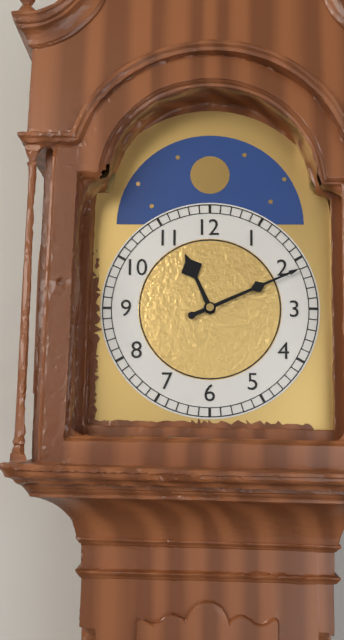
11:11
